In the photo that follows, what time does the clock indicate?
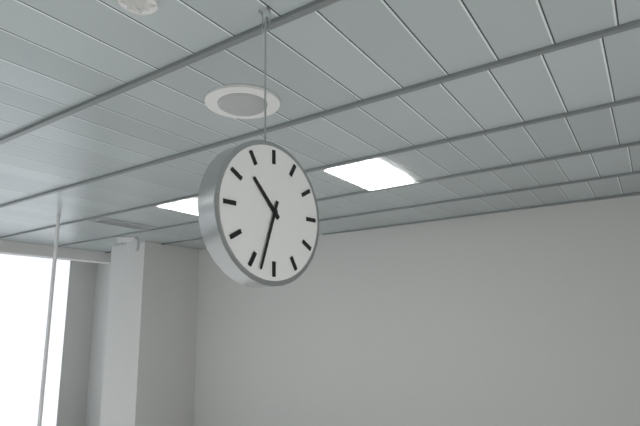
10:33
